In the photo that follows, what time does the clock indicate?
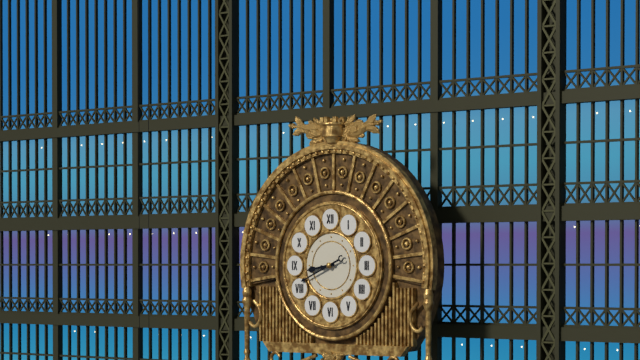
8:41
